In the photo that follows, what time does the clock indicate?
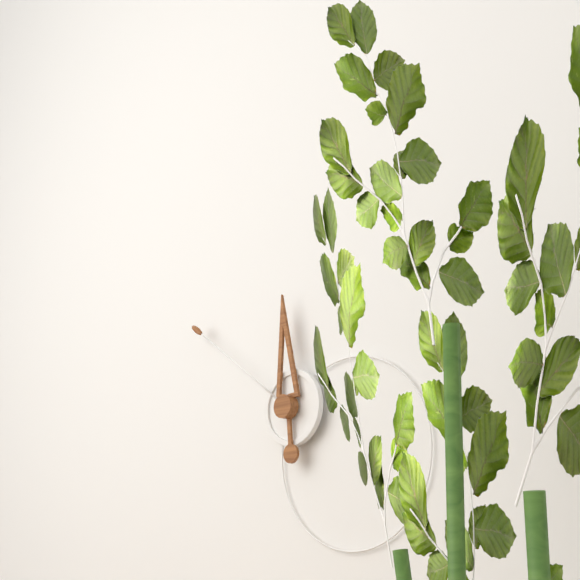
11:51
